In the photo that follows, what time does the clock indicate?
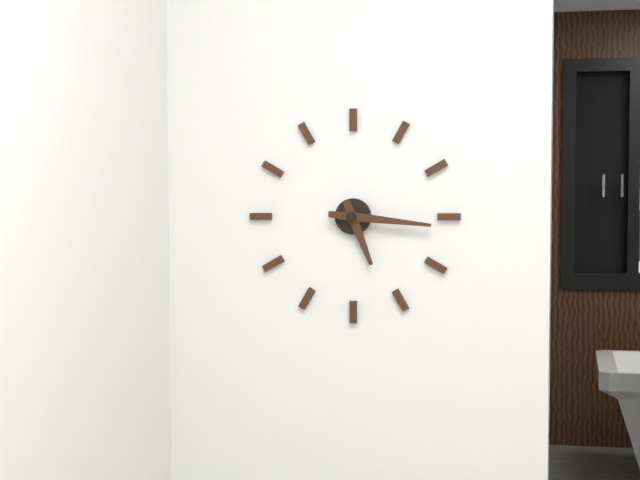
5:16
